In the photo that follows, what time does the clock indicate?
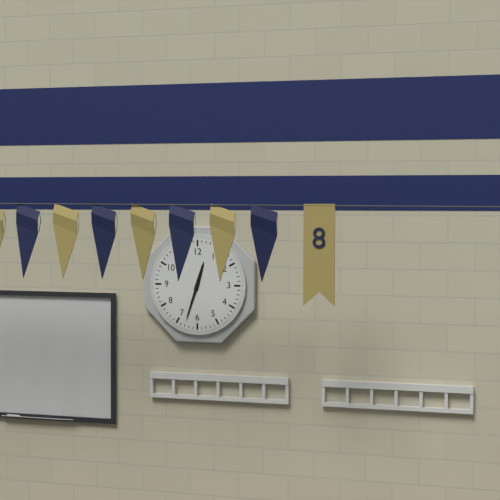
12:33
